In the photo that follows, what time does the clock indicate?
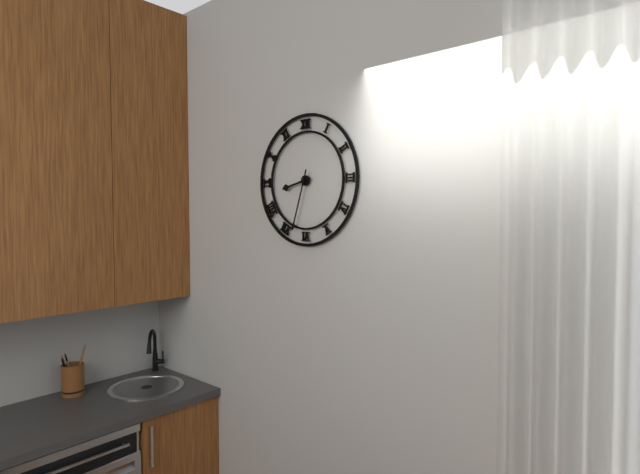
8:33
